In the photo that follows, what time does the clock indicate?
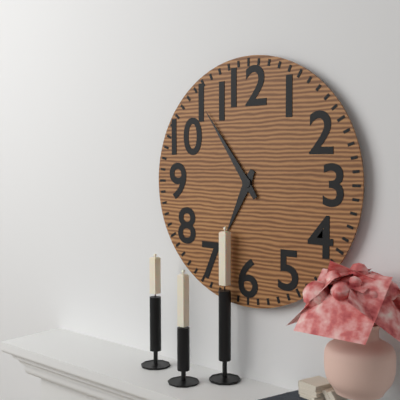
6:54
